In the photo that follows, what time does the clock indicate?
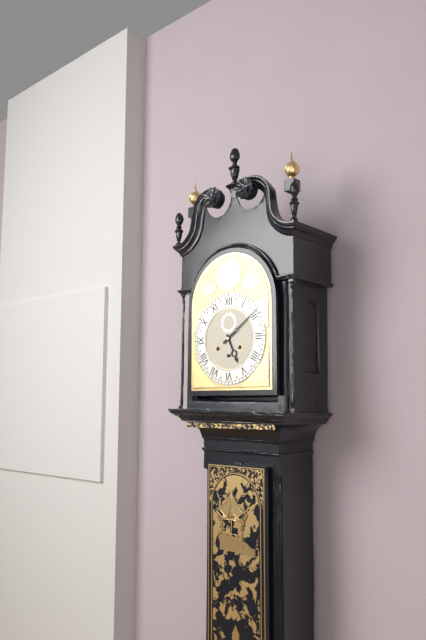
5:09
